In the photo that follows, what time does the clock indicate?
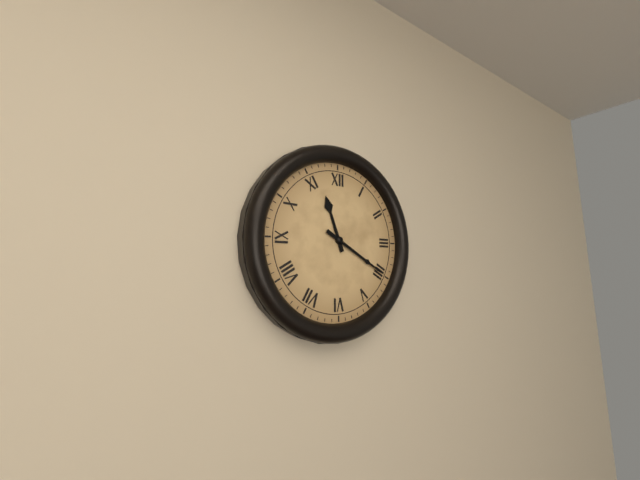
11:20
